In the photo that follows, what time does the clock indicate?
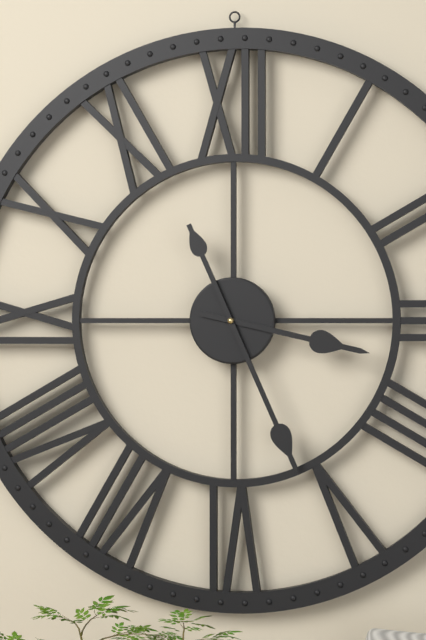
3:26
